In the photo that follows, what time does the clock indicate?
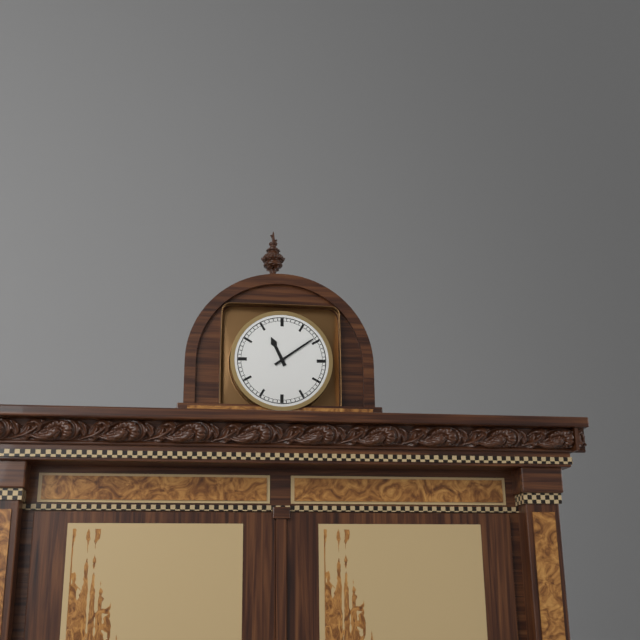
11:09
